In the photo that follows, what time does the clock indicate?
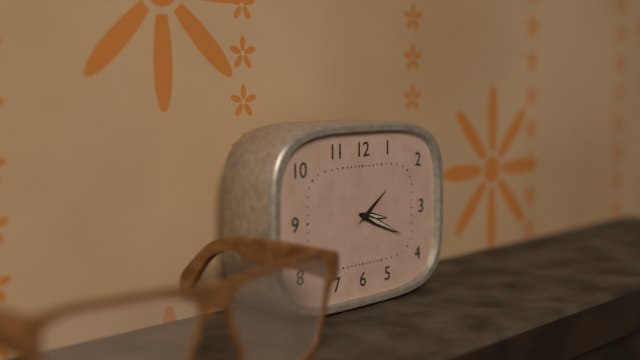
3:19
